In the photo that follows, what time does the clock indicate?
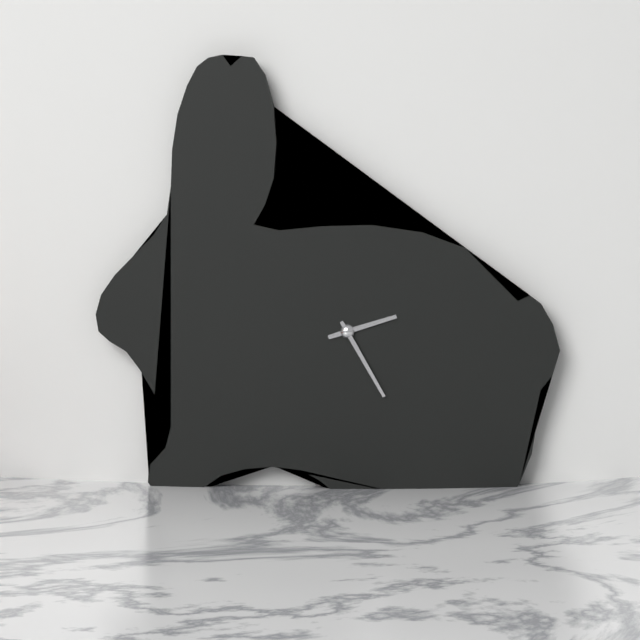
2:25
